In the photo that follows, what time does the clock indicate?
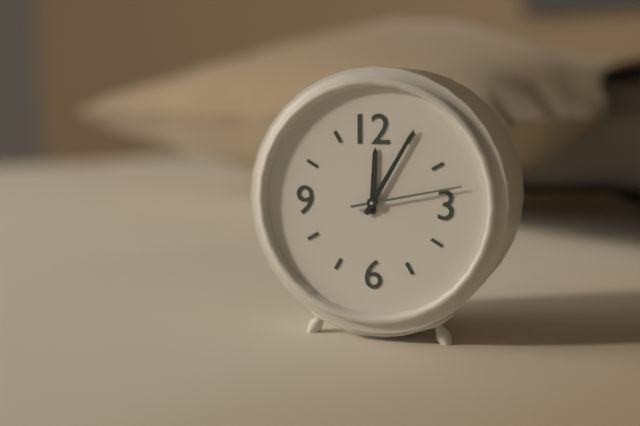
12:05:13
